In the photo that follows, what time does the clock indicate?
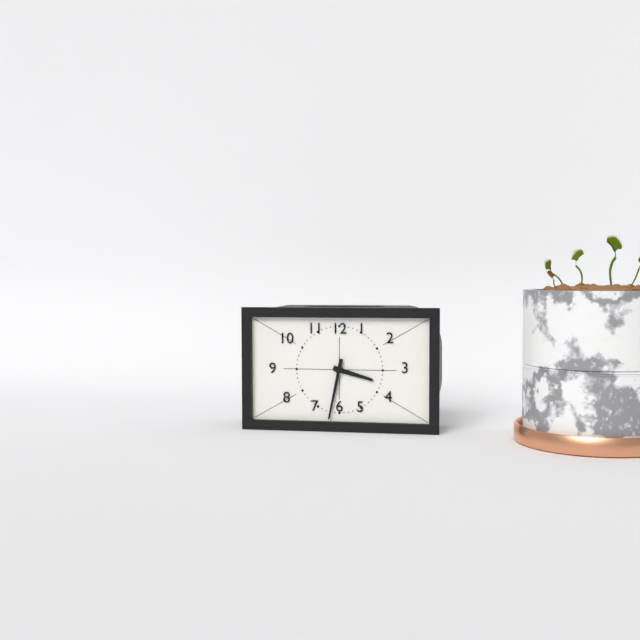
3:32
